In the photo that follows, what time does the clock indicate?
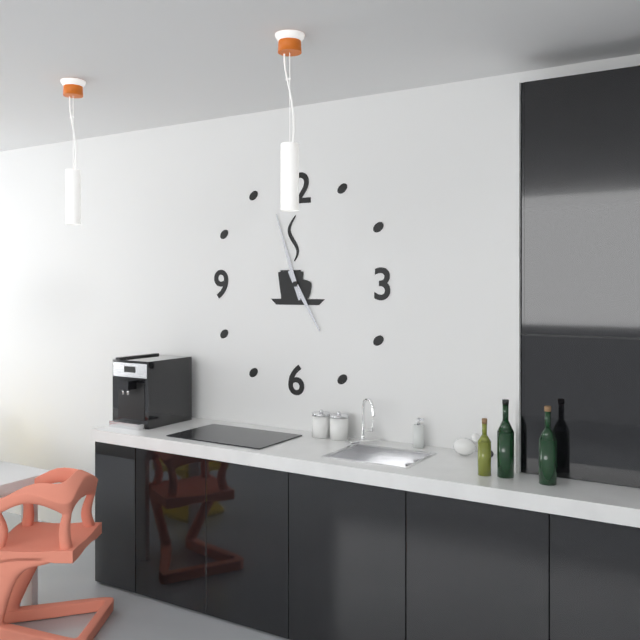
4:57
